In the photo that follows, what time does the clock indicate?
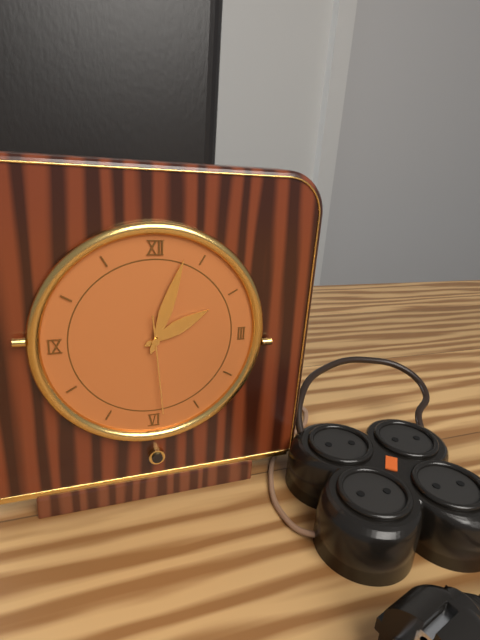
2:03:29
